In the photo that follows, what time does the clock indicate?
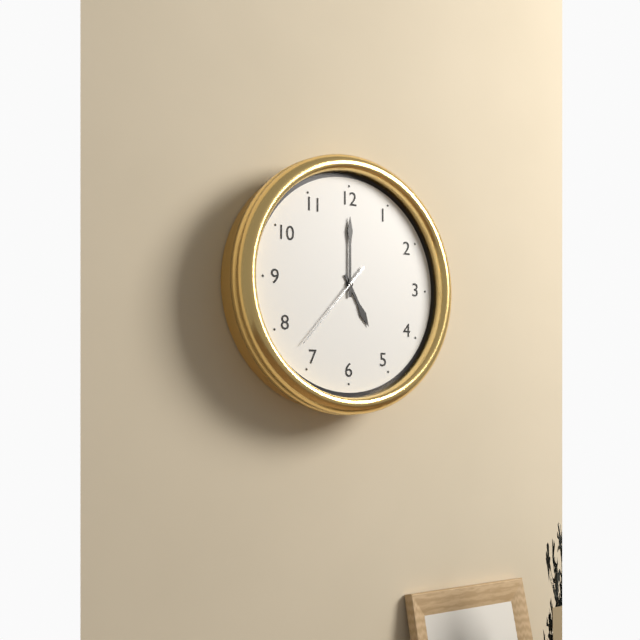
5:00:37
